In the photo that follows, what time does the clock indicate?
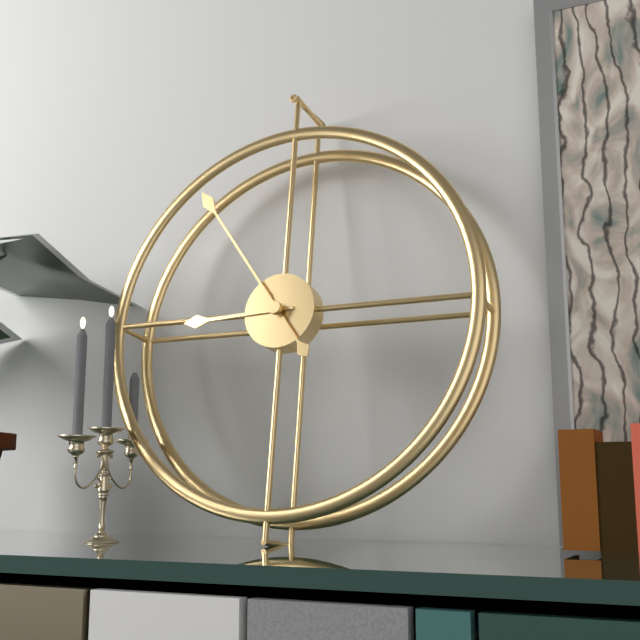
8:54
